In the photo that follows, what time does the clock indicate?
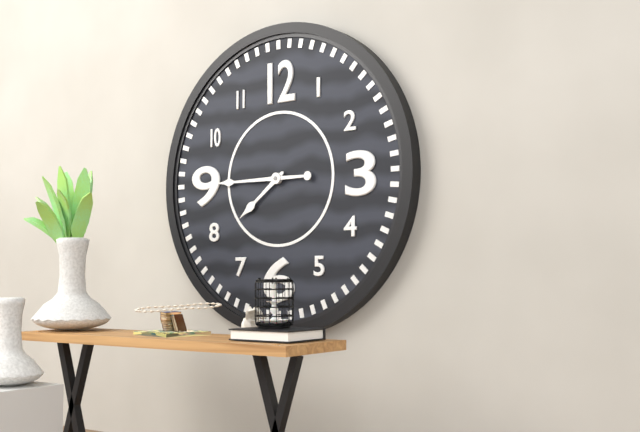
7:45
